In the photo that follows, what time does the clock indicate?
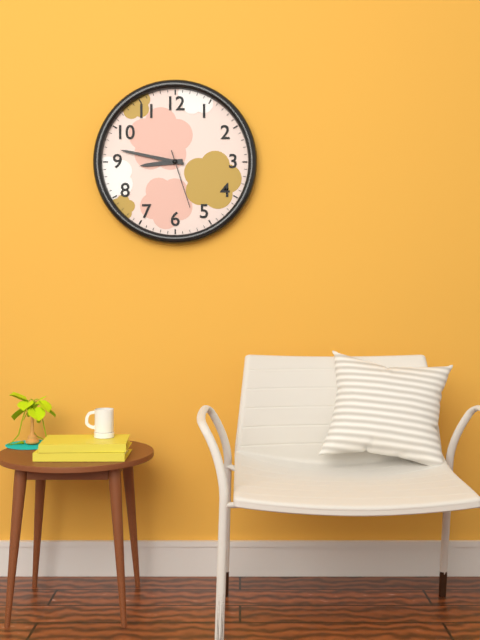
8:47:27
